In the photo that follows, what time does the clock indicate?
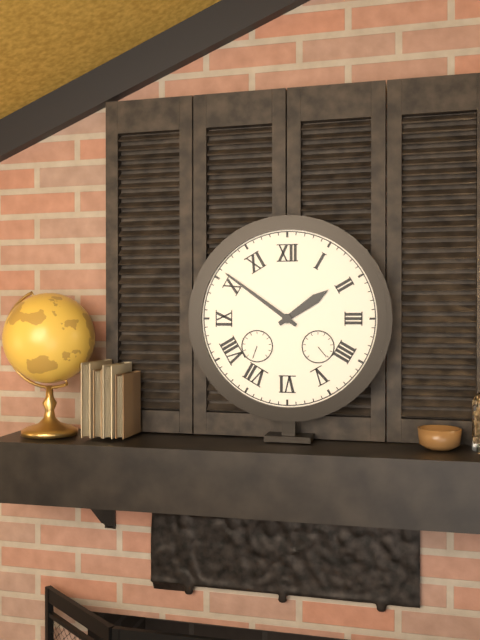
1:51
